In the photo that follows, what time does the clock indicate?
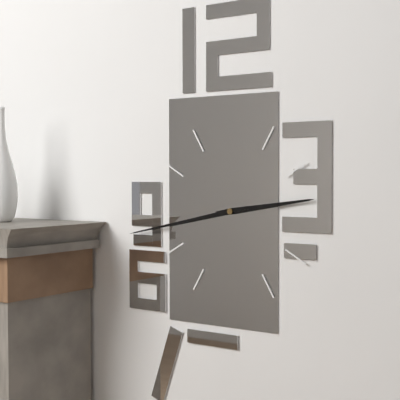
2:43
